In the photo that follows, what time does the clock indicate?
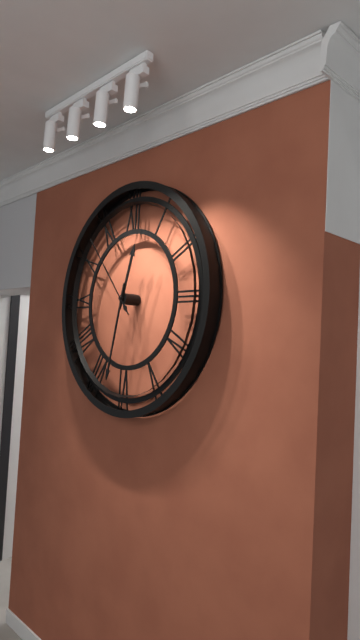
12:32:53
